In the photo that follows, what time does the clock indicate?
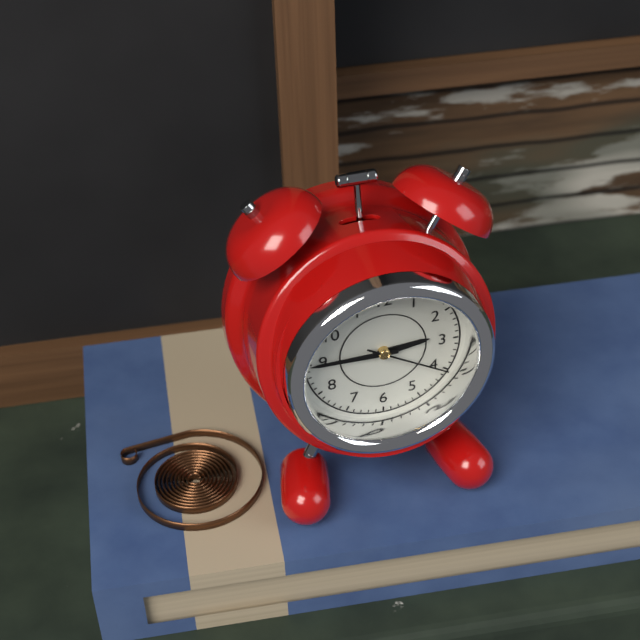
2:45:20
